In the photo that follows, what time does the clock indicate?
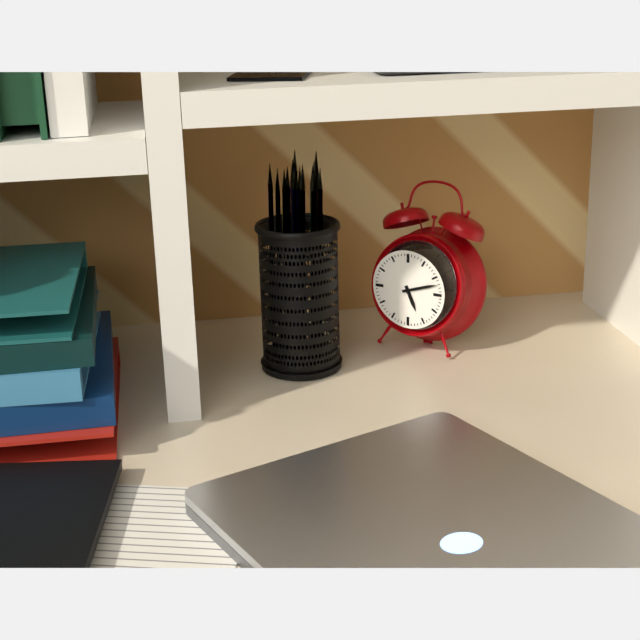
5:12
